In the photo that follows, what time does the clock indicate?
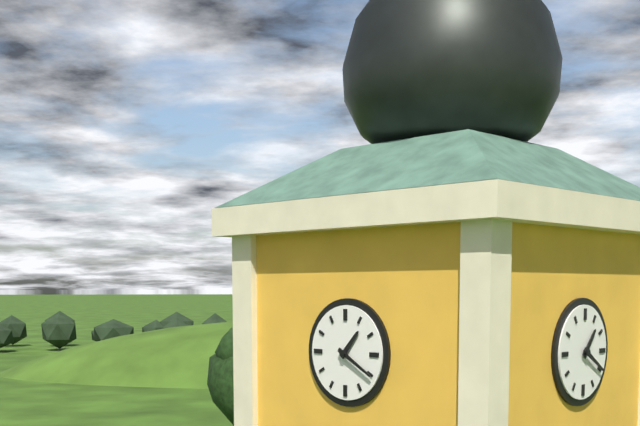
1:20
